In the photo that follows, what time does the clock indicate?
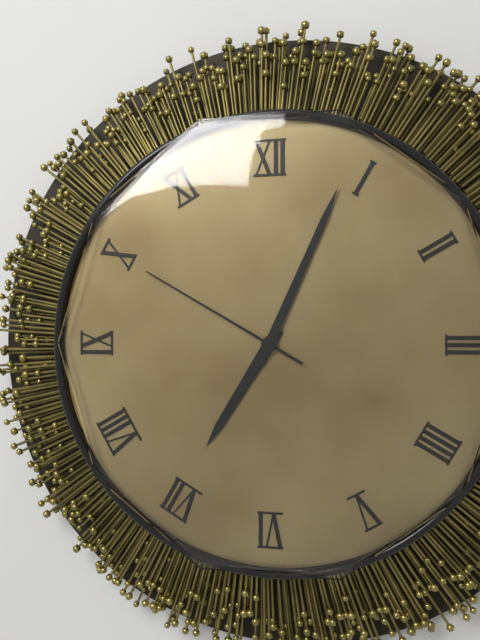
7:04:50
